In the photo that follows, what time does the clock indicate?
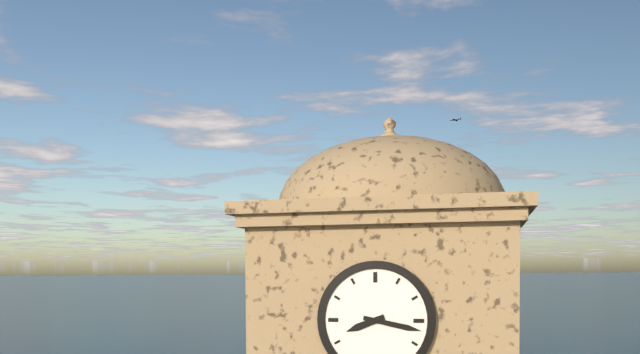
8:17
